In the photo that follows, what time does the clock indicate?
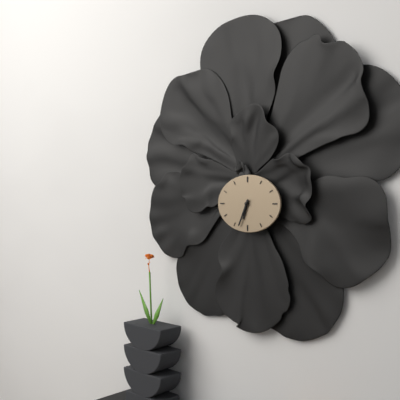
6:34
